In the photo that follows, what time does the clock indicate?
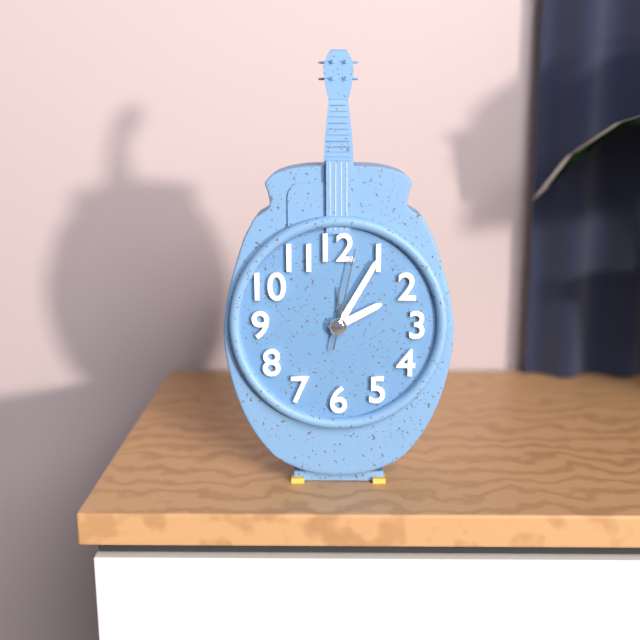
2:05:02
